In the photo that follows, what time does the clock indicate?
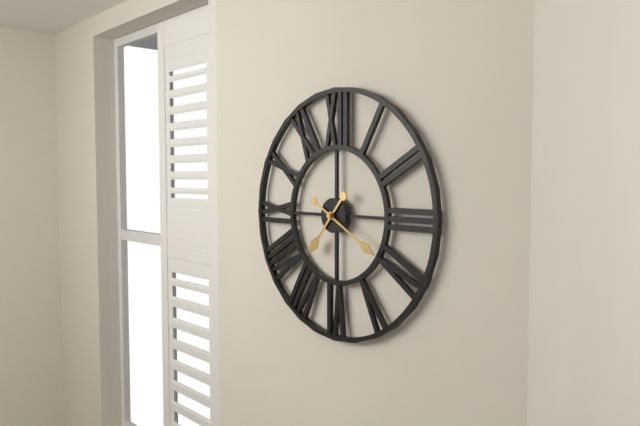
7:20
